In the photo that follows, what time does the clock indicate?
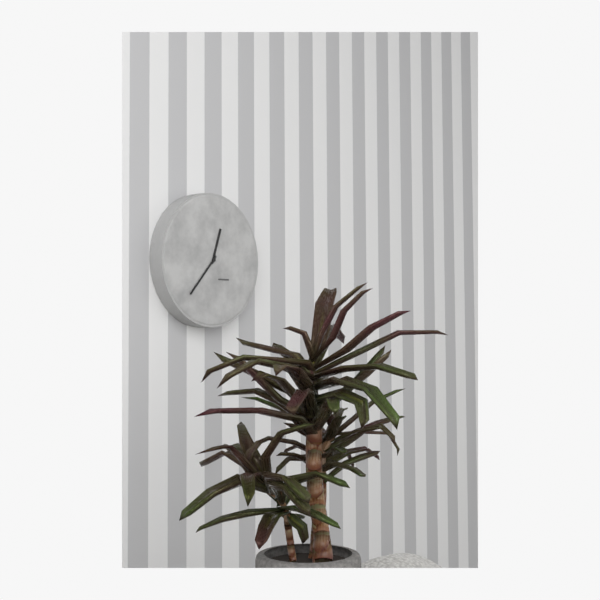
12:37
